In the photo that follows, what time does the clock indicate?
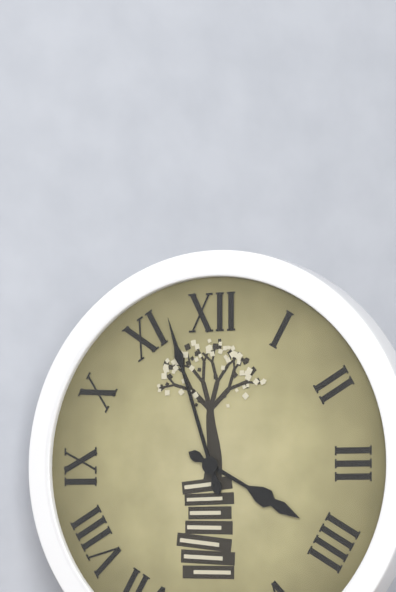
3:57
